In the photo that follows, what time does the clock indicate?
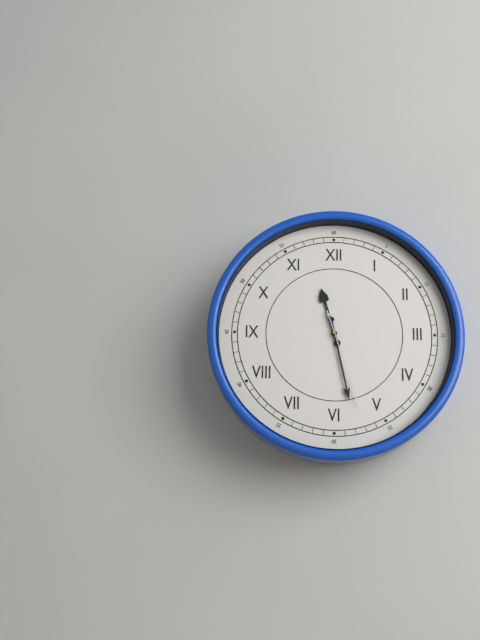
11:28:27
